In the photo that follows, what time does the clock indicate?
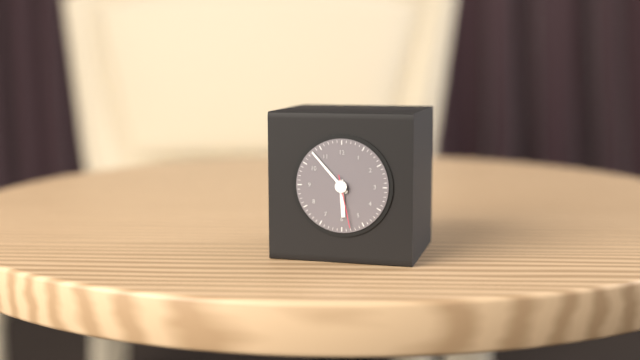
5:53:28
